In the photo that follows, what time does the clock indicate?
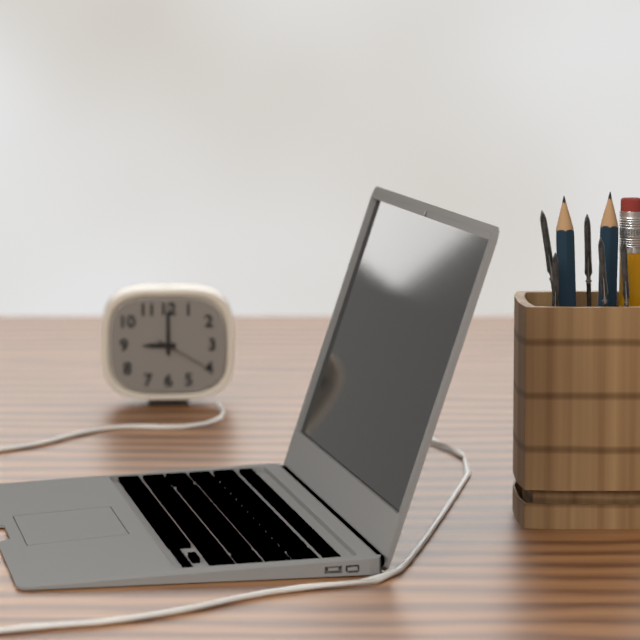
9:00:20
